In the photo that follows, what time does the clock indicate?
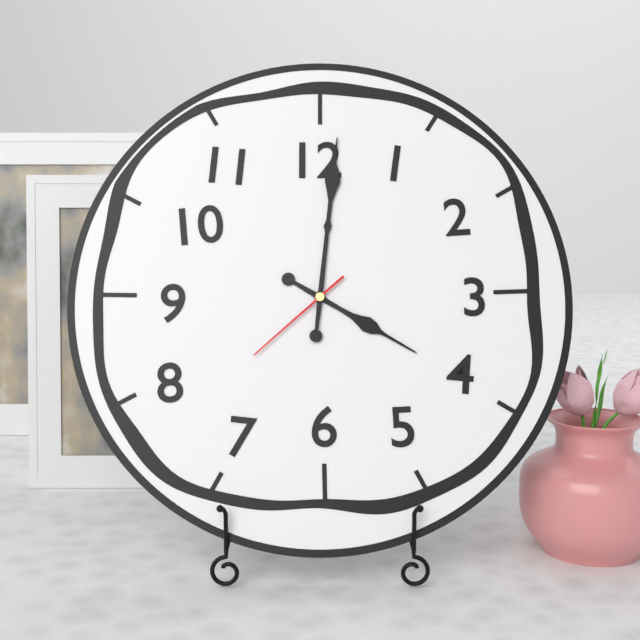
4:01:38
